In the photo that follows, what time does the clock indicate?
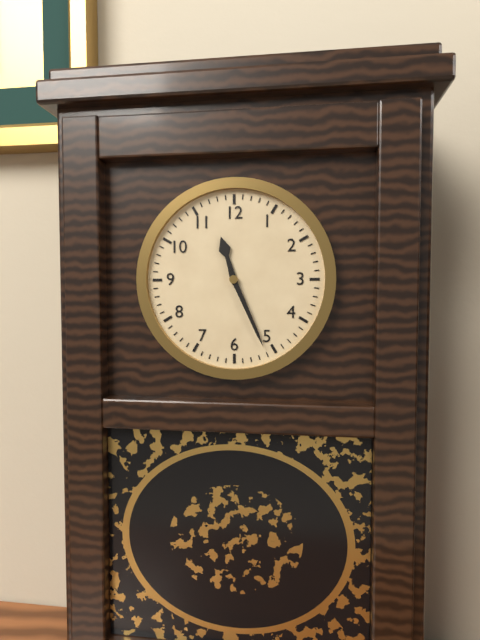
11:26
